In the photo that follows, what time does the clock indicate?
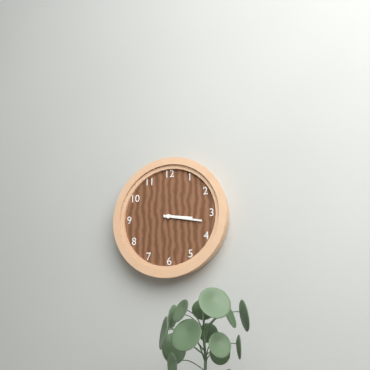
3:17
